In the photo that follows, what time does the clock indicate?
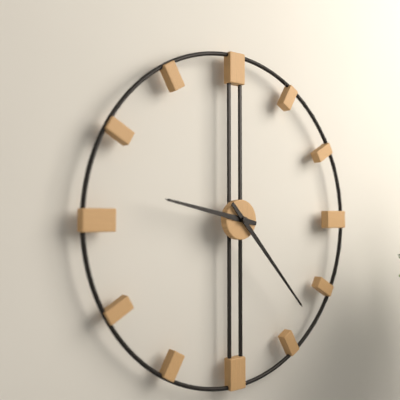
9:23
